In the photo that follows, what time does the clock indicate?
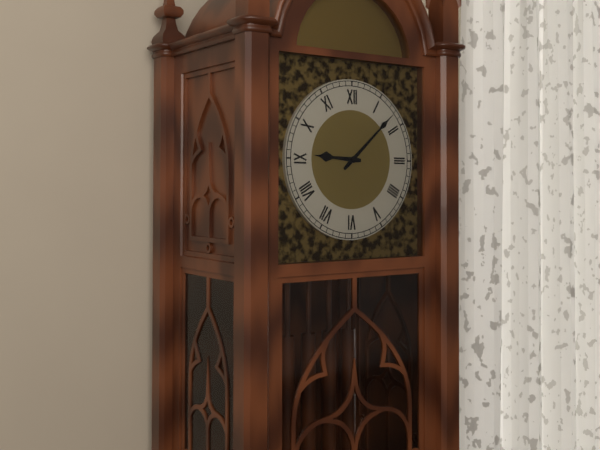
9:08
